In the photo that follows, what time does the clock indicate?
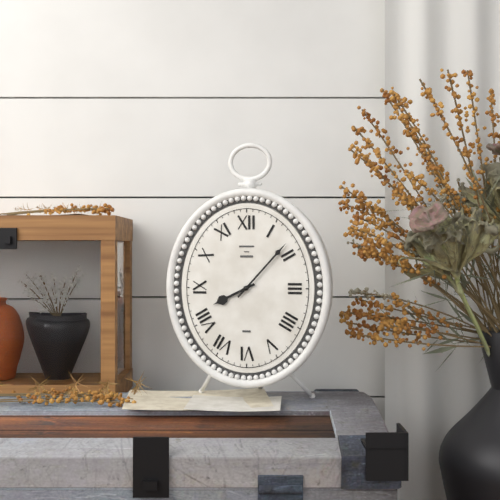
8:07
